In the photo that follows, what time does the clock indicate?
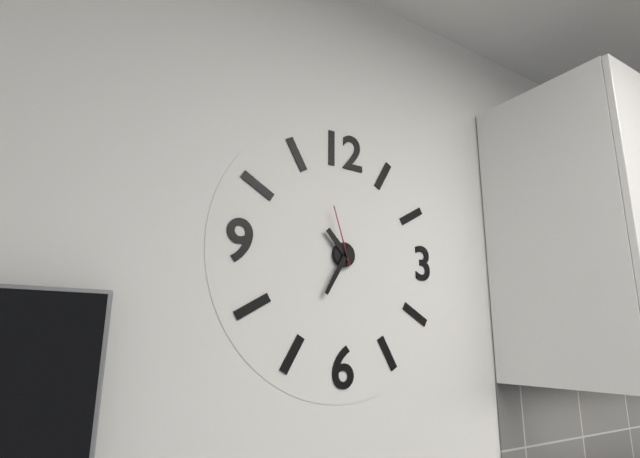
10:35:57
